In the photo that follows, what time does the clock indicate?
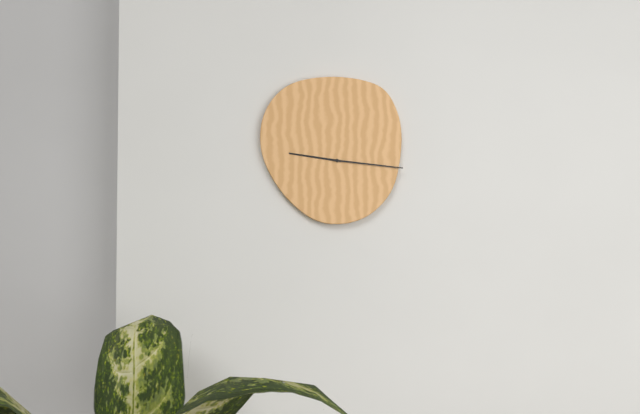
9:16
